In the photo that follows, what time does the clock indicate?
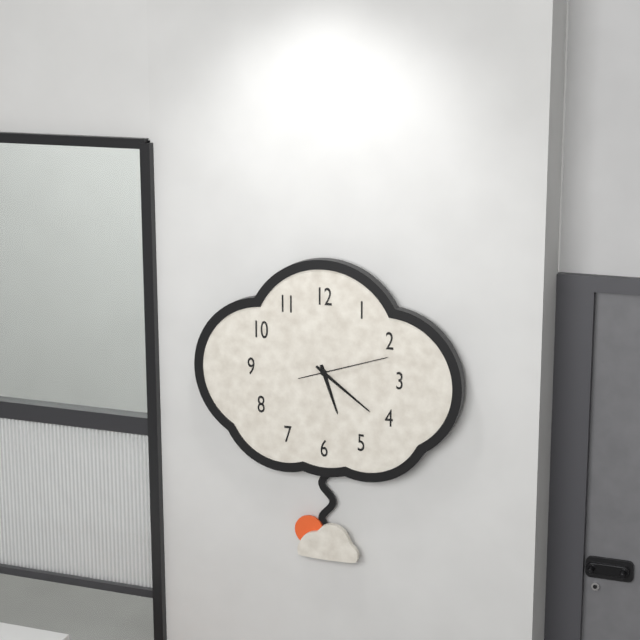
5:21:12
